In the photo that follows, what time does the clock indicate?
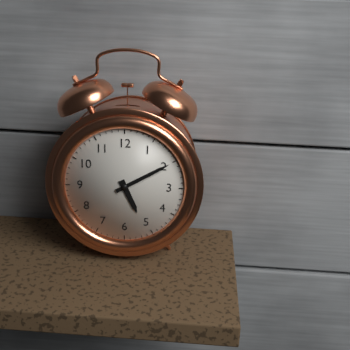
5:10
